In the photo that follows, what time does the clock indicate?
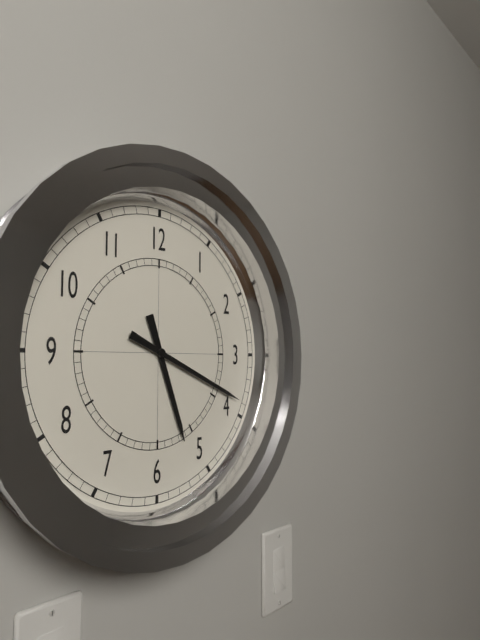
5:19
